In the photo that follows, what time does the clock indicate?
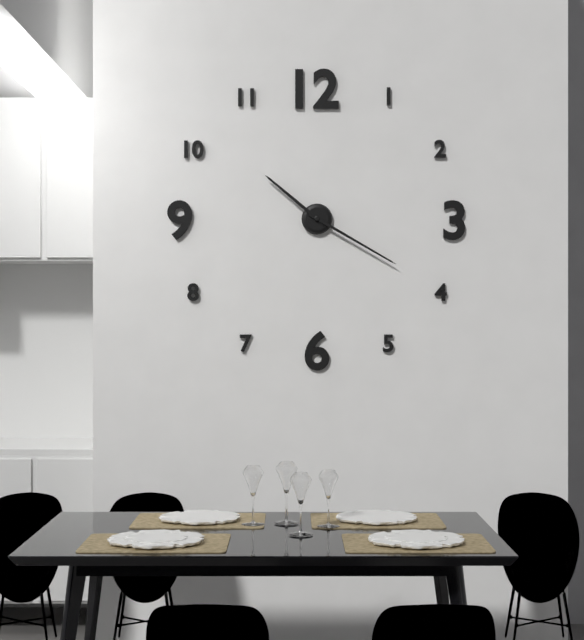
10:20
